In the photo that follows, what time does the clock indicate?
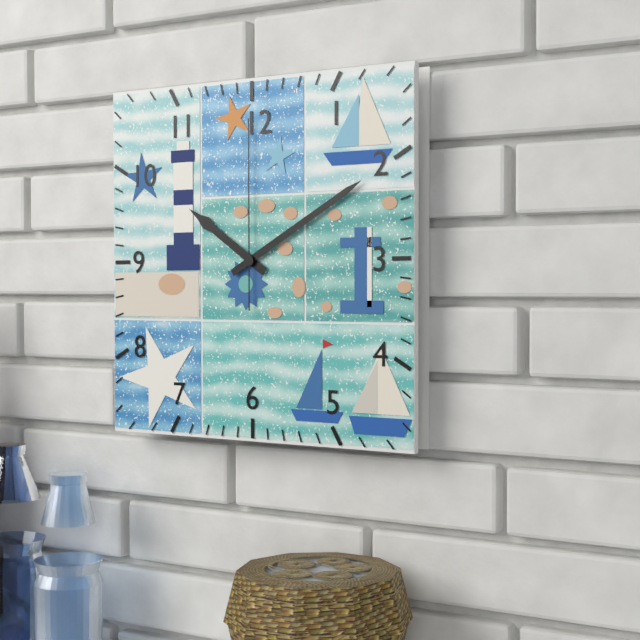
10:10:00
